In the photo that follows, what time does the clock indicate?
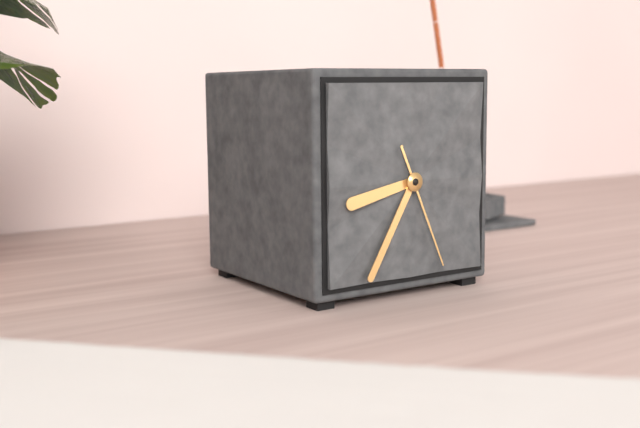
8:35:26
